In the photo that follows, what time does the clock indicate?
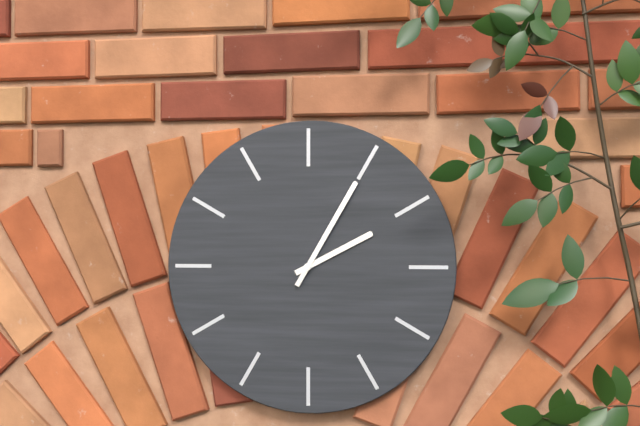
2:05
